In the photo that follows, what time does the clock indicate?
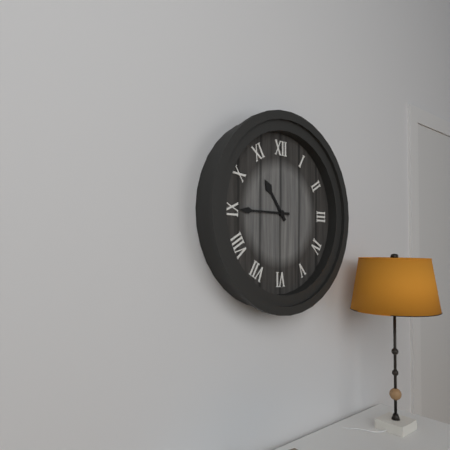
10:45
